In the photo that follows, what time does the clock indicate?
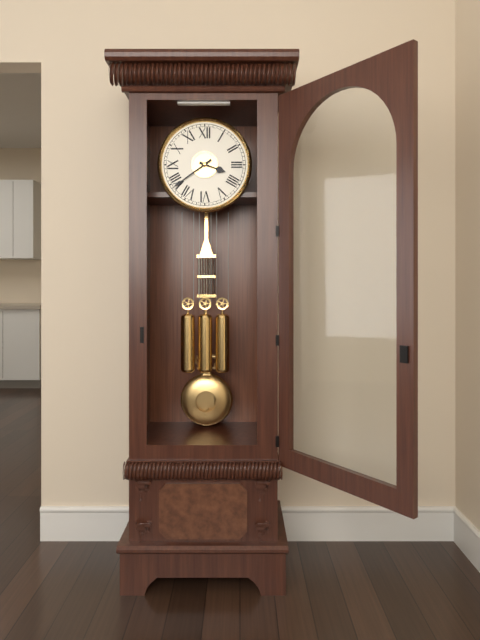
3:39
